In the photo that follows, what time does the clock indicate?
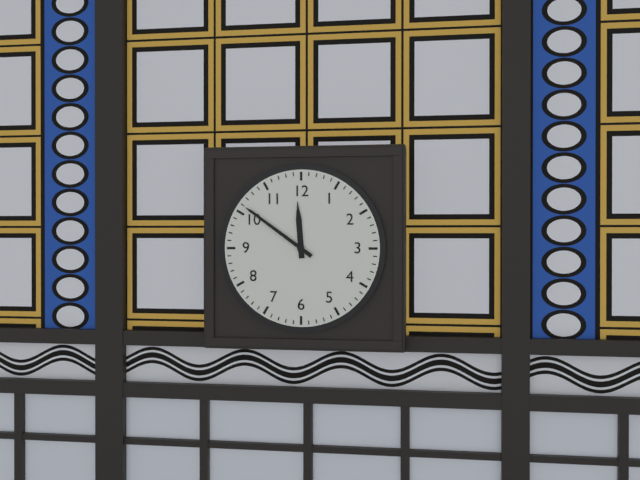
11:51
